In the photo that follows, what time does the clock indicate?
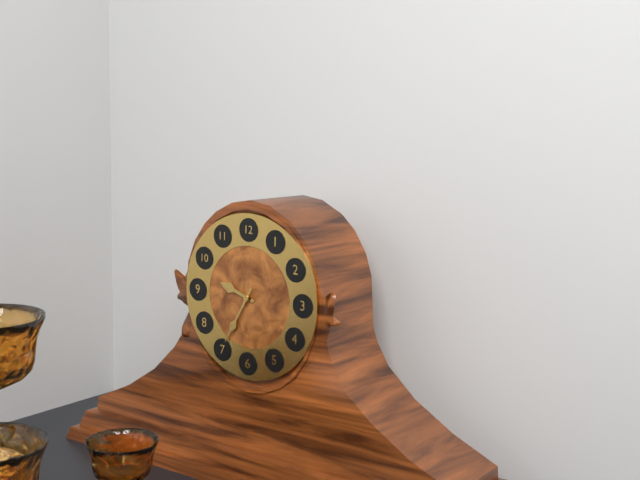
9:35
